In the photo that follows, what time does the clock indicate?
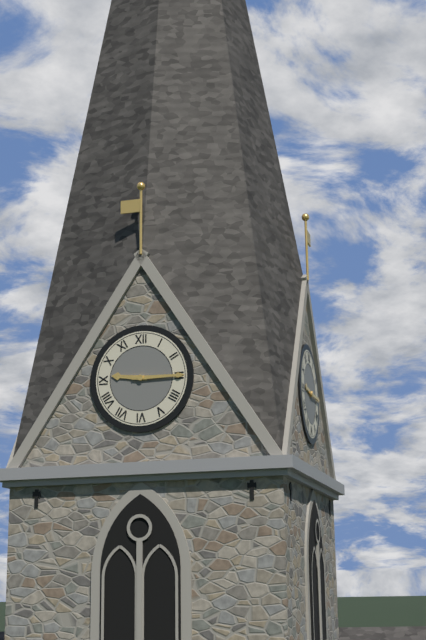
9:15
